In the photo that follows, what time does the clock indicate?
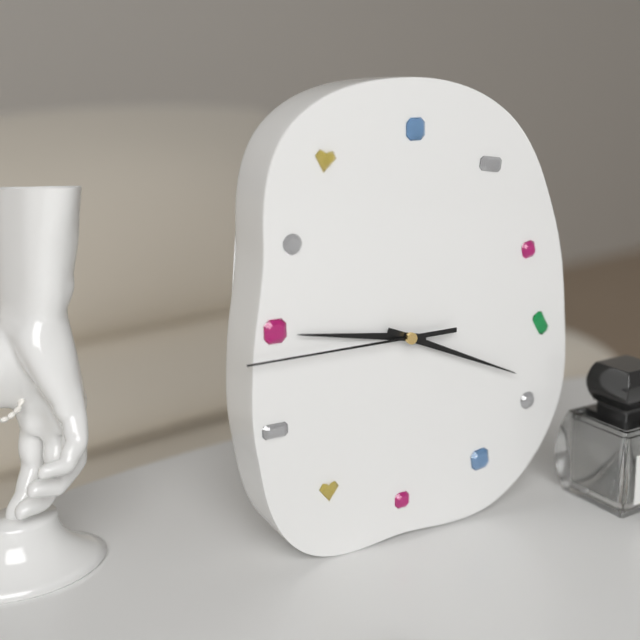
9:19:45
